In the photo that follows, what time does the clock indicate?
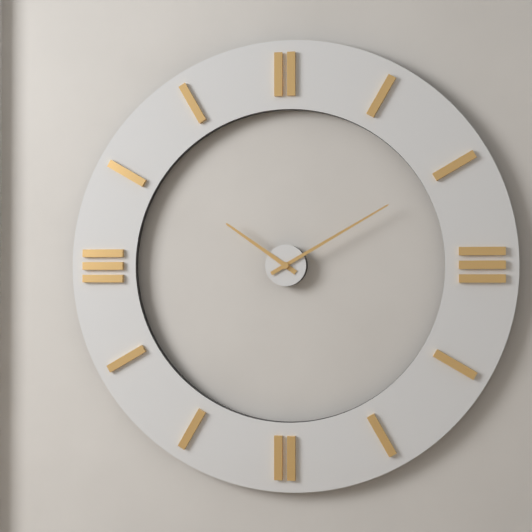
10:10
